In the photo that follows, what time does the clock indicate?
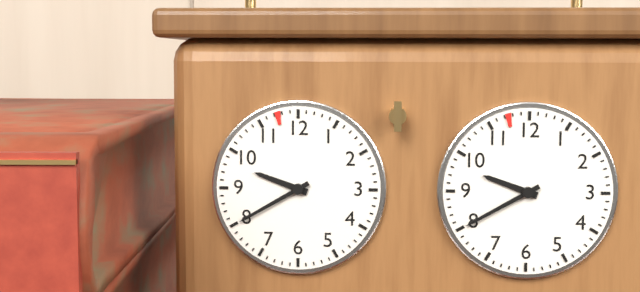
9:40
